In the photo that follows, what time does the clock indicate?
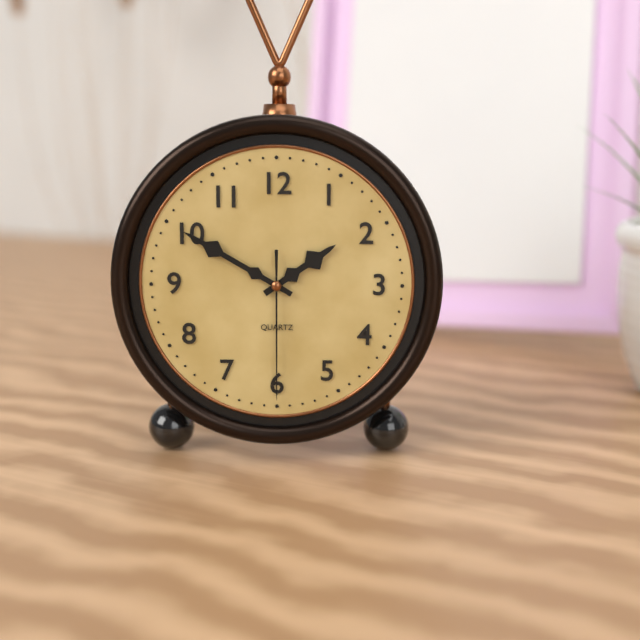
1:50:30
